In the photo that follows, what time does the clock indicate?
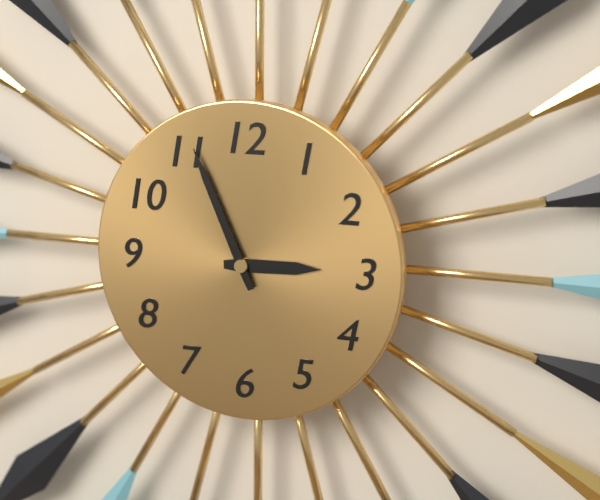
2:56
